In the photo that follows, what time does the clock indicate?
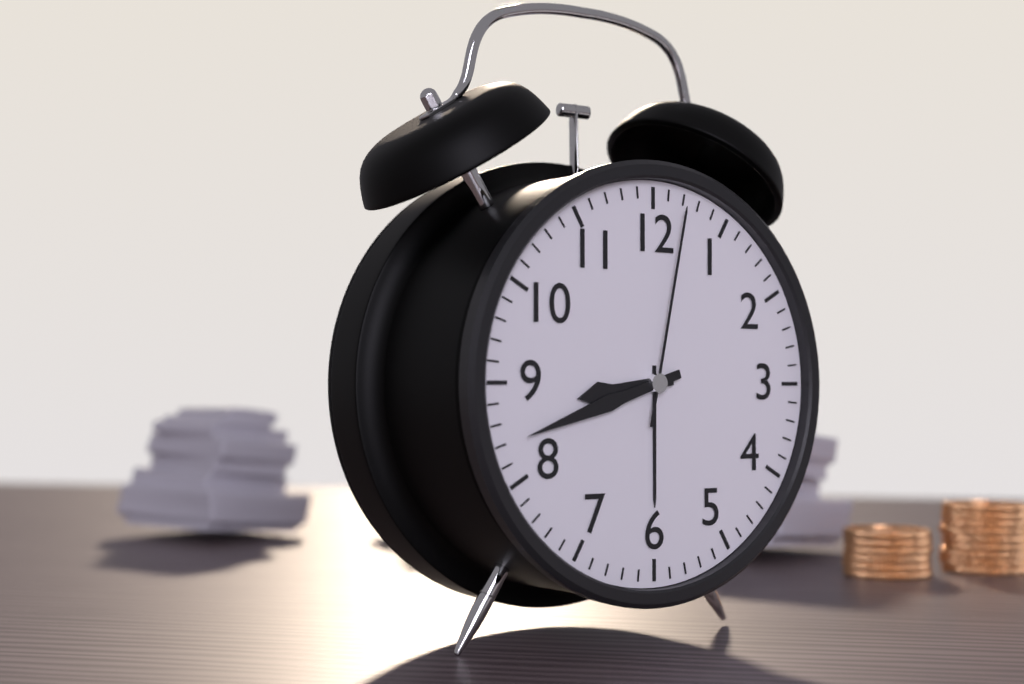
8:42:02
